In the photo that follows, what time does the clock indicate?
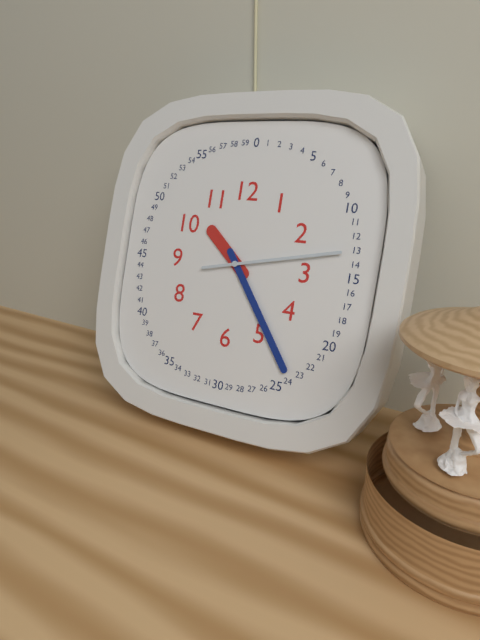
10:24:13
